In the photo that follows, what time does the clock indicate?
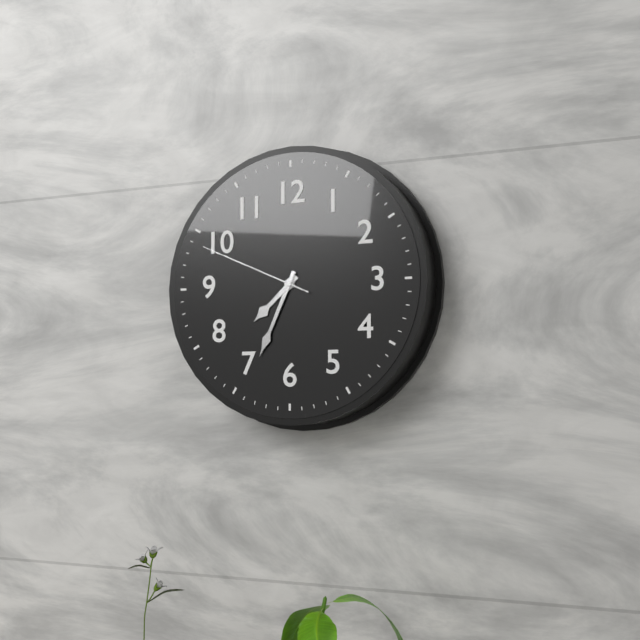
7:34:49
